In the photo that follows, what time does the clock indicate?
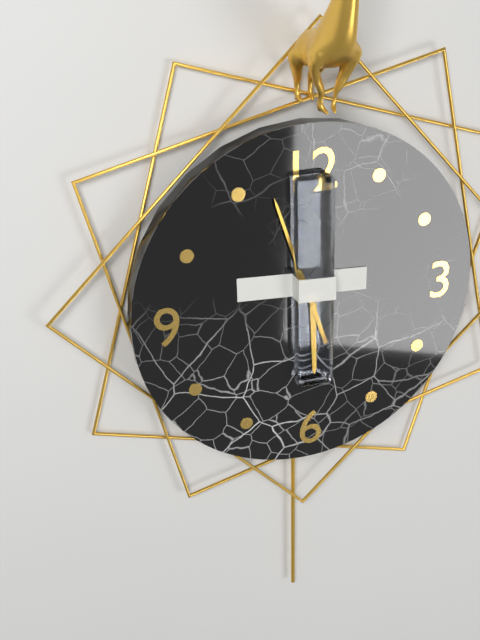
5:57
